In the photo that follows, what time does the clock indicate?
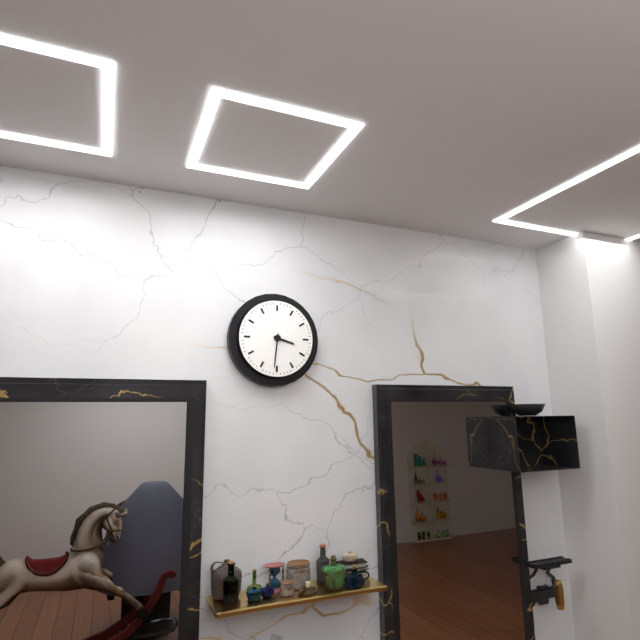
3:31
